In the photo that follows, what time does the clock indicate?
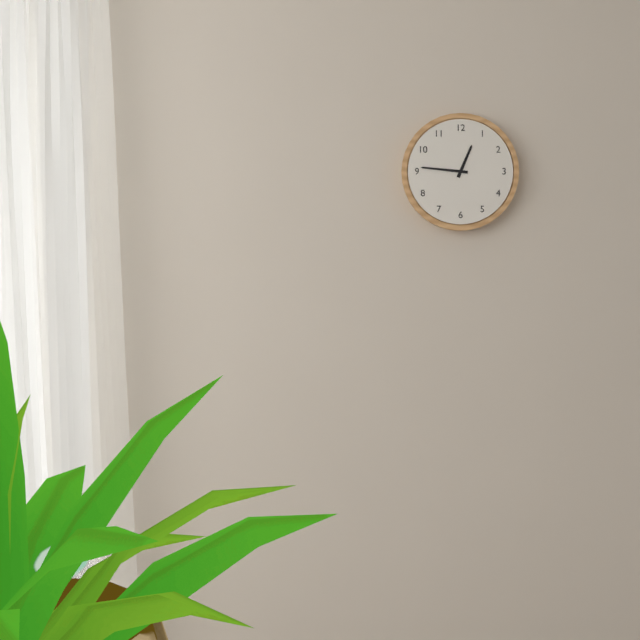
12:46
